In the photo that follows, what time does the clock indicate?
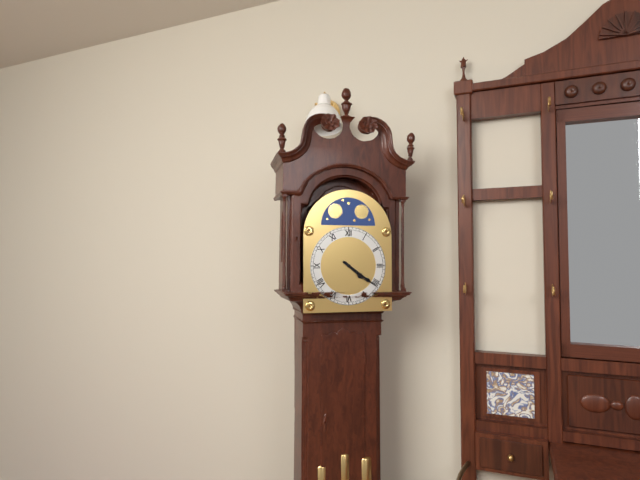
4:21
